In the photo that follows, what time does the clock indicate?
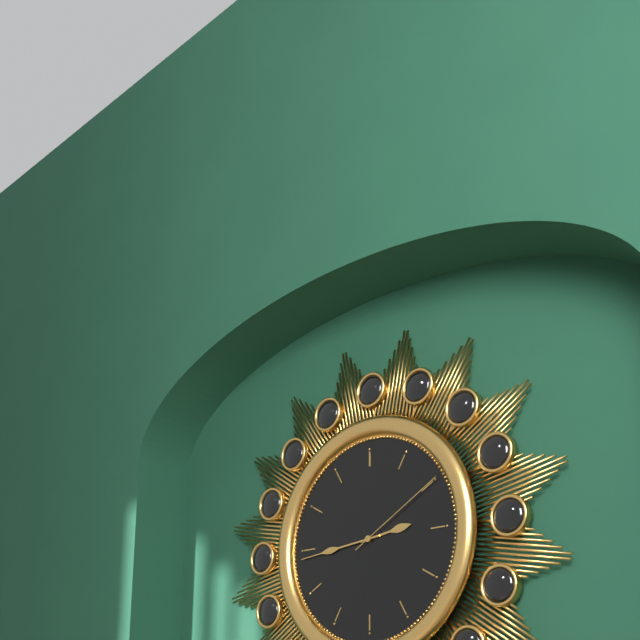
2:44:10
